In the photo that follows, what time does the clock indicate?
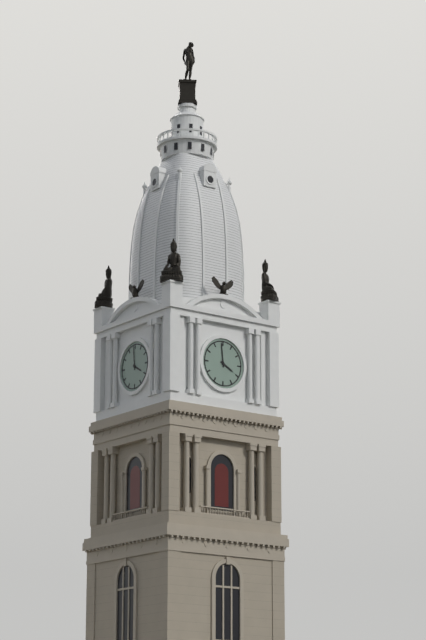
3:59
